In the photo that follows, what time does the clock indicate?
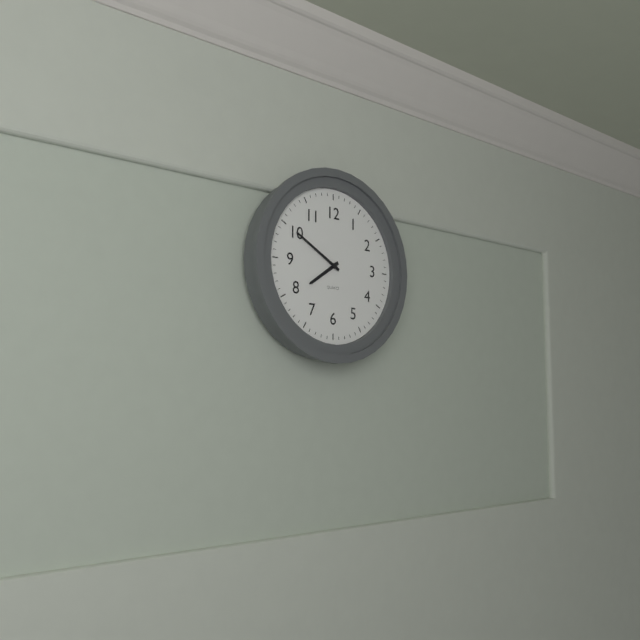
7:50
